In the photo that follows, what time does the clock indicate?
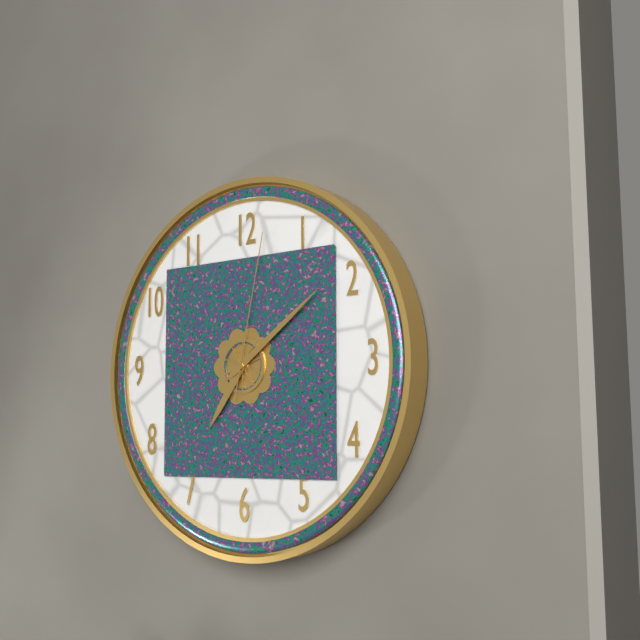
7:09:02
